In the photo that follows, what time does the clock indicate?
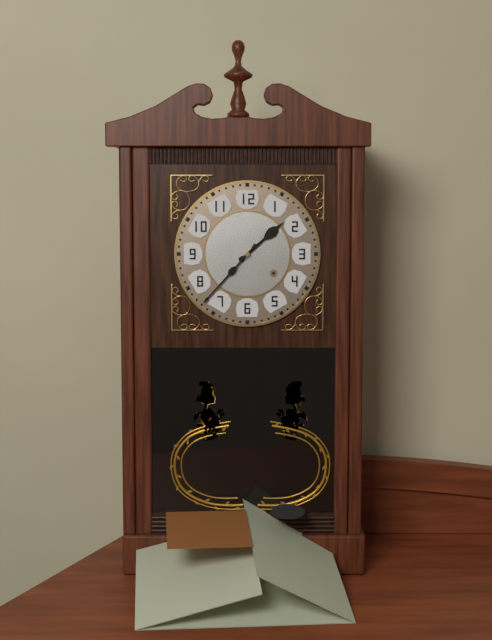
1:37
